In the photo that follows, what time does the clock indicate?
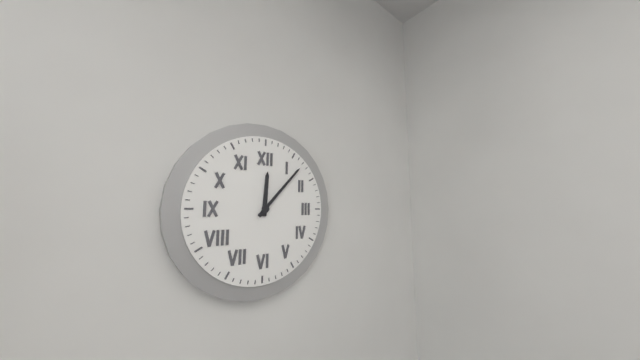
12:07
